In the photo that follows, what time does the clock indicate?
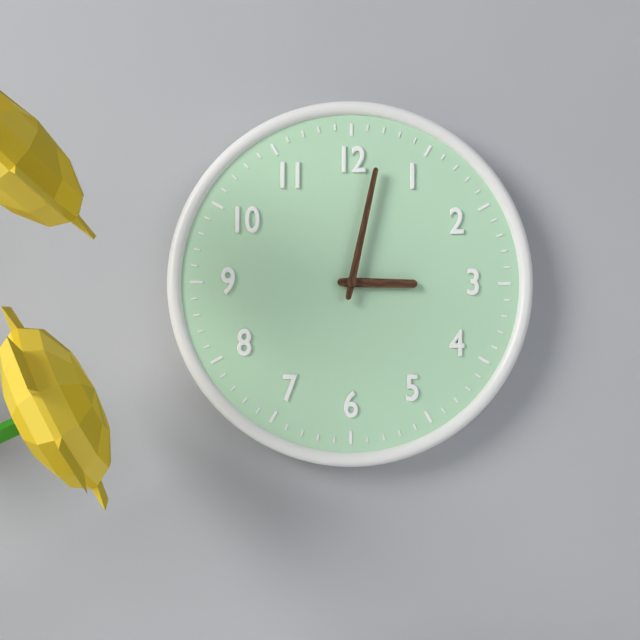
3:02
